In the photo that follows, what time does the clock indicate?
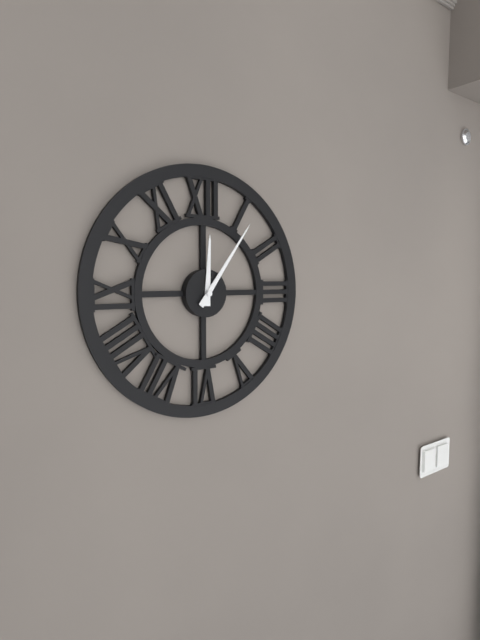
12:06
